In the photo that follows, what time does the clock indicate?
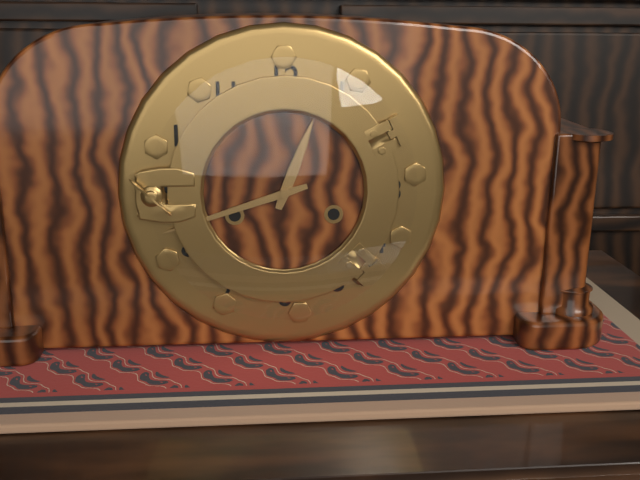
12:42
